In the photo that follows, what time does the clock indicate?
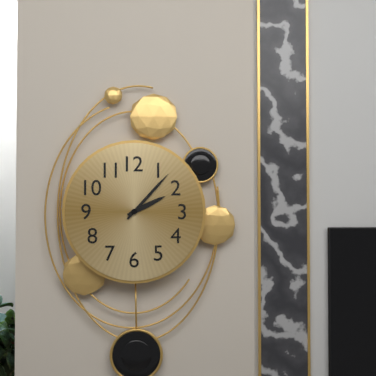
2:07
